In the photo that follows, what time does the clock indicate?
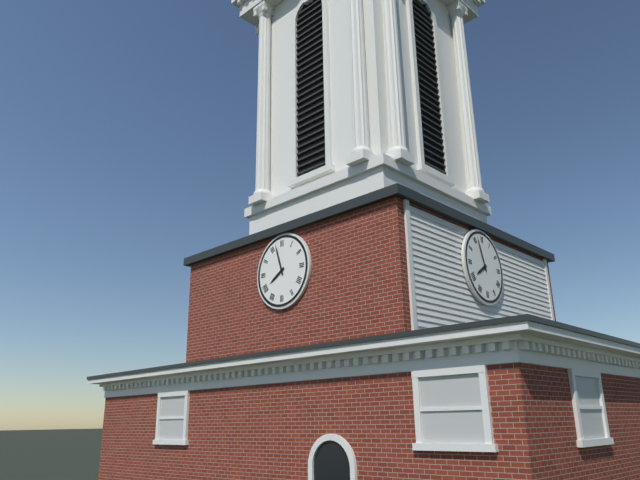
7:57
